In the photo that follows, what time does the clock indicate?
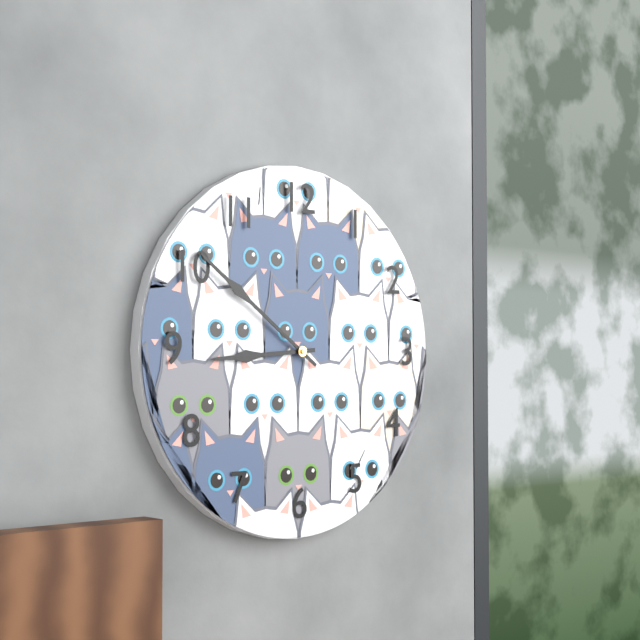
8:51
